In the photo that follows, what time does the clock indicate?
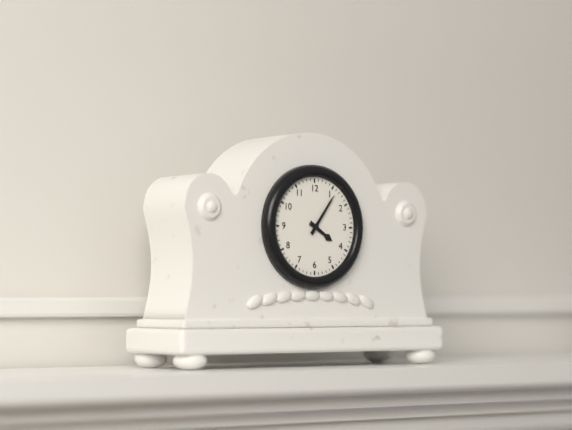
4:06
